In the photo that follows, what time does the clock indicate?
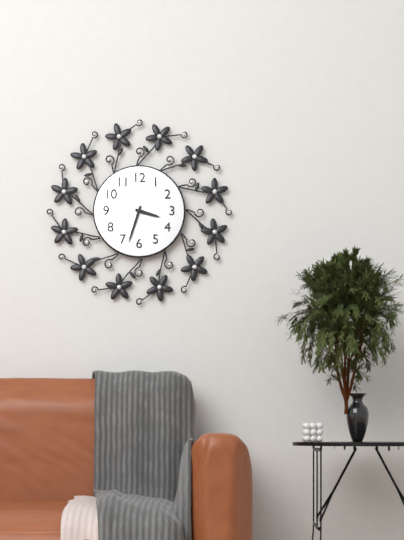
3:33
